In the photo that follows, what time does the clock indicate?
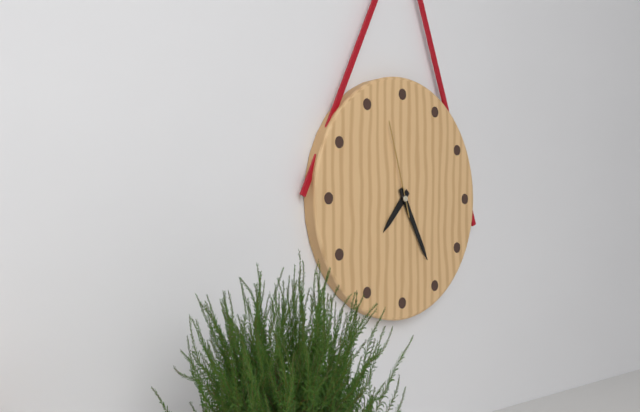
7:25:57
